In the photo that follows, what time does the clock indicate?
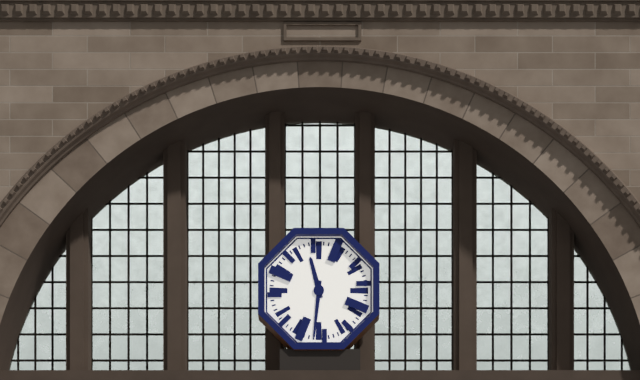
11:31
